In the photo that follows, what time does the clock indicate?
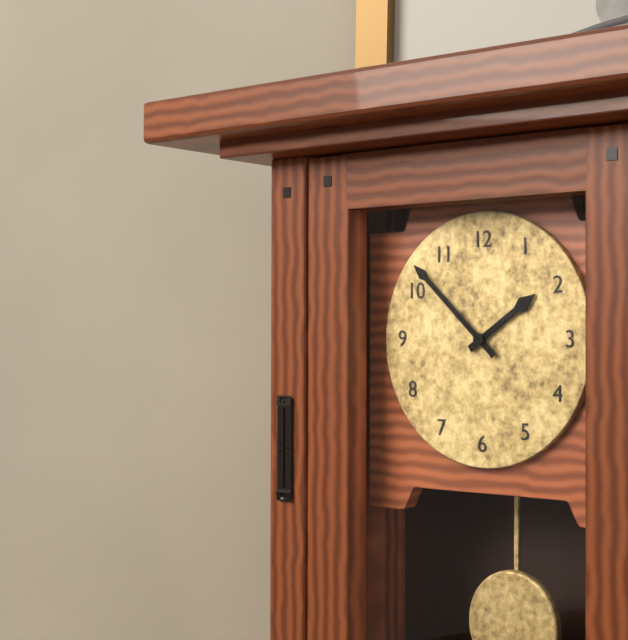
1:52
